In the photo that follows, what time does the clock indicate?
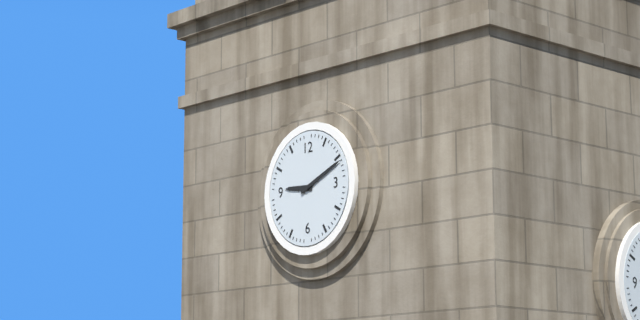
9:11
